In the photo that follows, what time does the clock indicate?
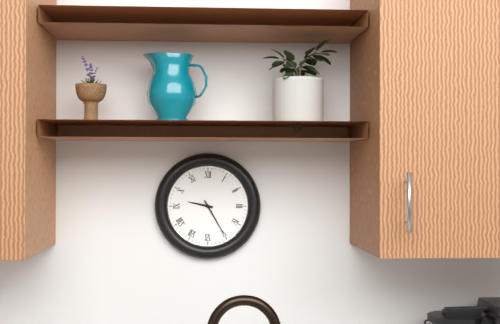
9:25
